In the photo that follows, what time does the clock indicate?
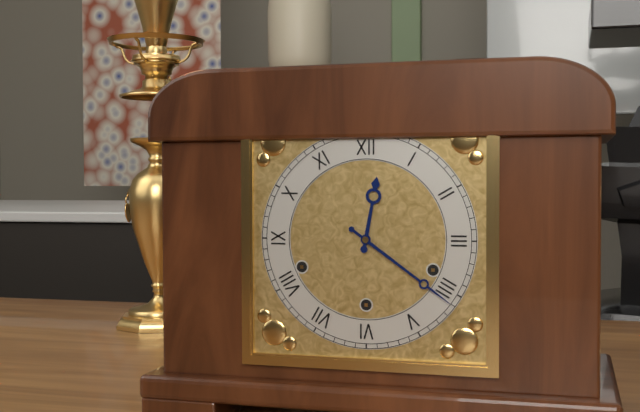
12:21
